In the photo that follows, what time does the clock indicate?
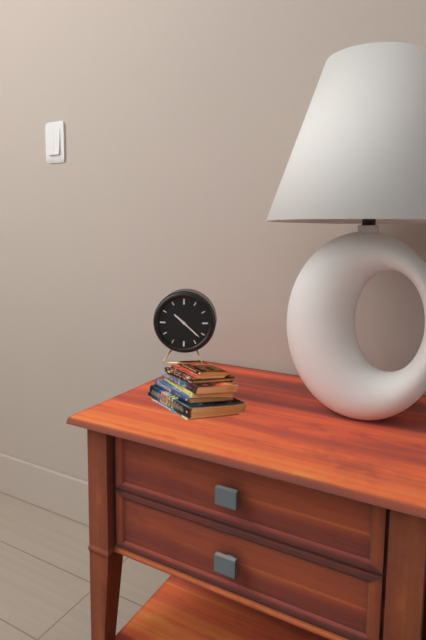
10:22
